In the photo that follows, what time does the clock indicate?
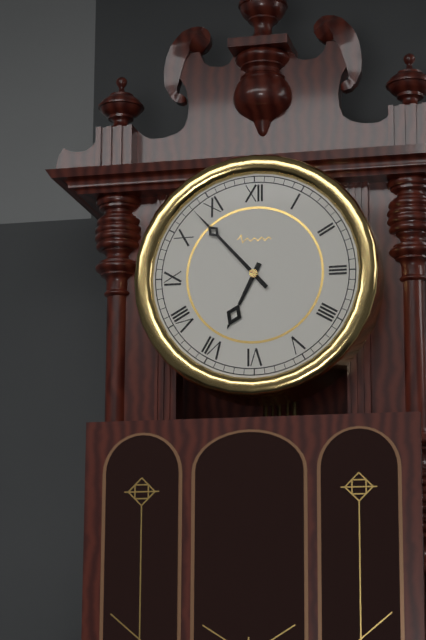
6:53
